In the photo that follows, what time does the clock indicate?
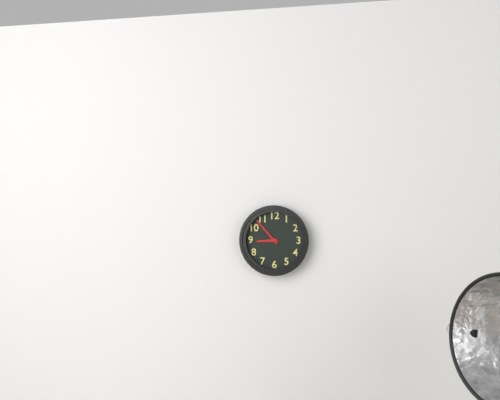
8:53
